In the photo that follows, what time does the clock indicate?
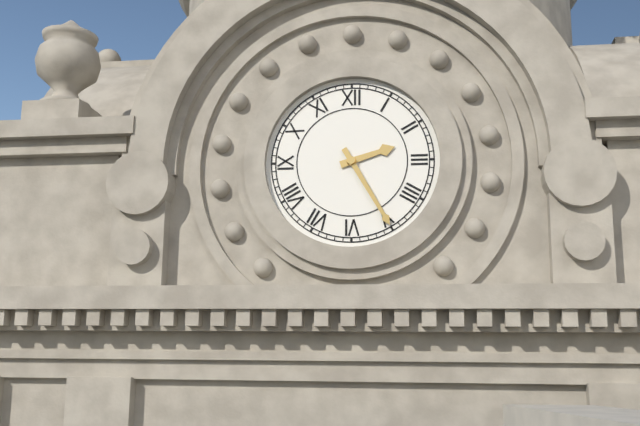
2:25
